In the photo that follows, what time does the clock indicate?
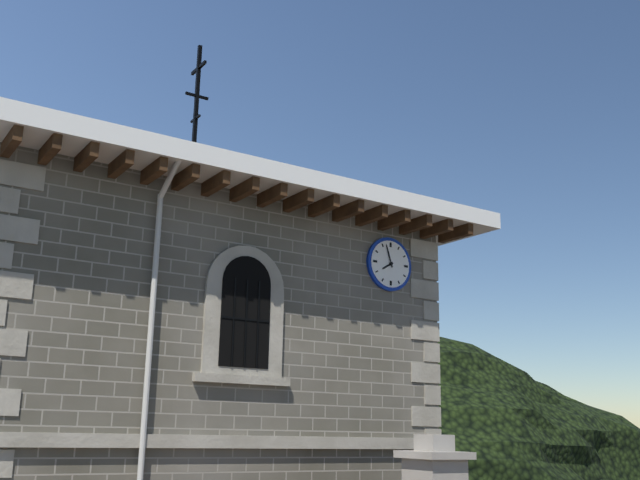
7:57
